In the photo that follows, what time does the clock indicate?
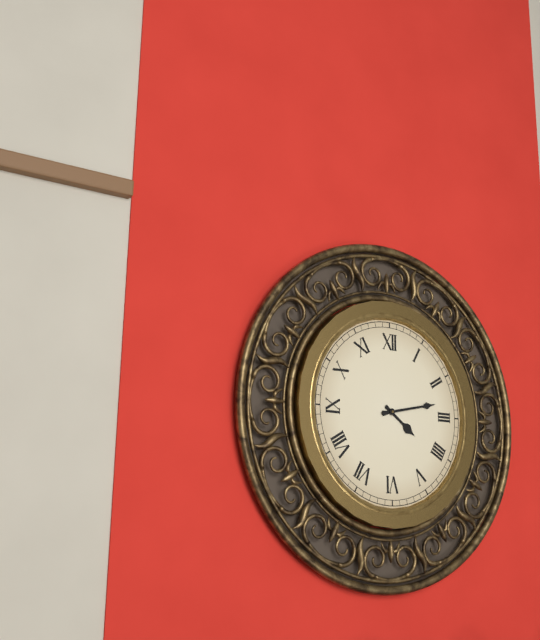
4:13
